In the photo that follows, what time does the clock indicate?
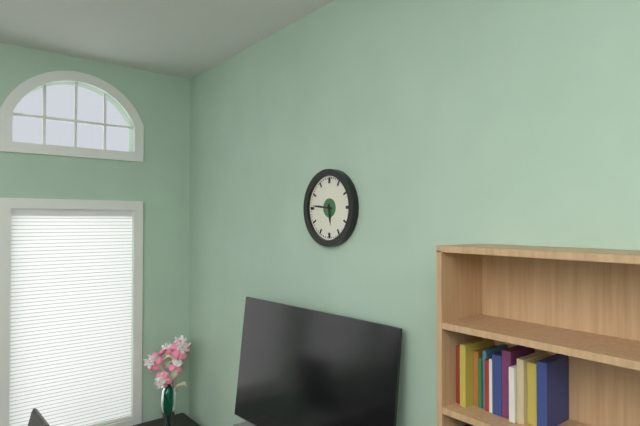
5:46
